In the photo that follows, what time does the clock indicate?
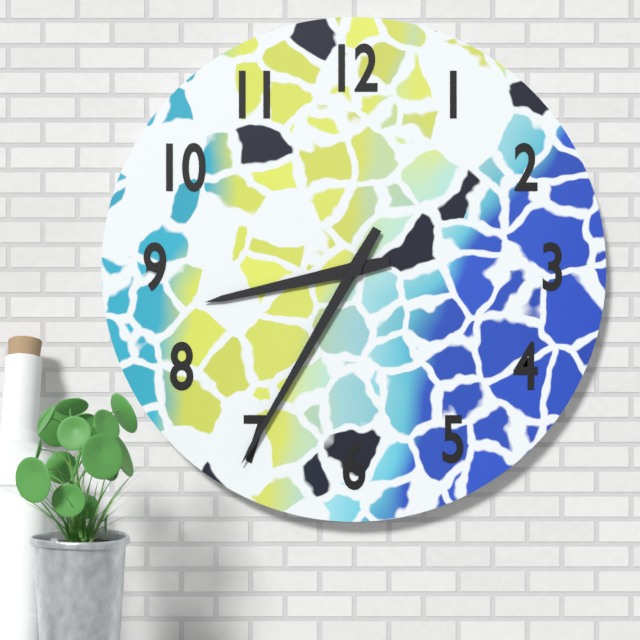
8:35
